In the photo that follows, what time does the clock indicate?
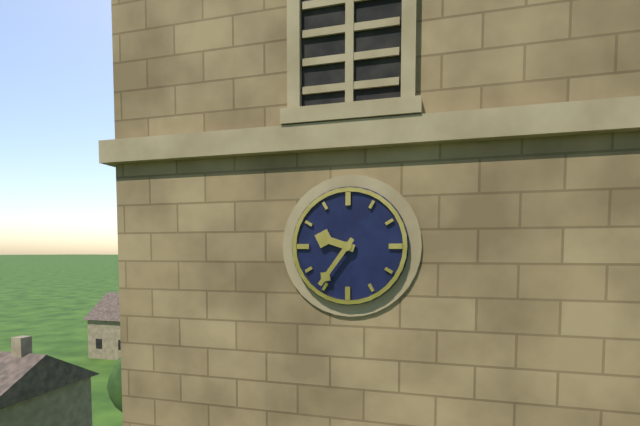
9:36
